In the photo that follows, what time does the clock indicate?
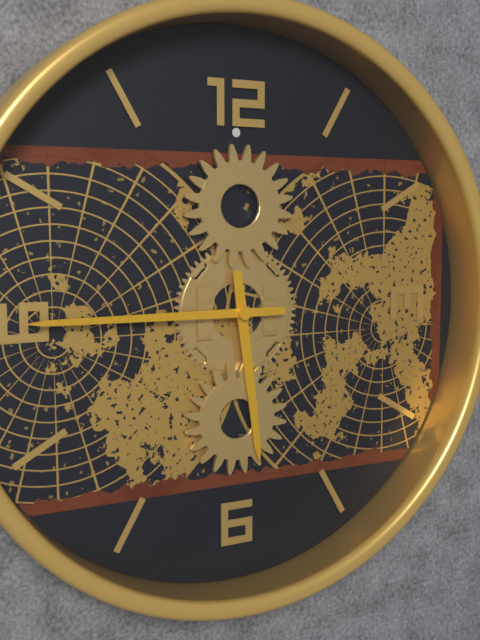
5:45
